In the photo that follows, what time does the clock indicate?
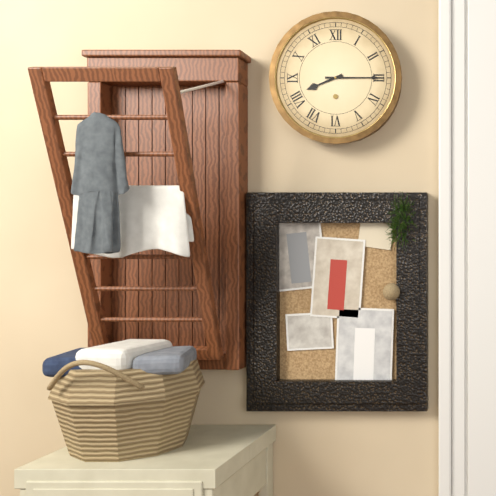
8:15
